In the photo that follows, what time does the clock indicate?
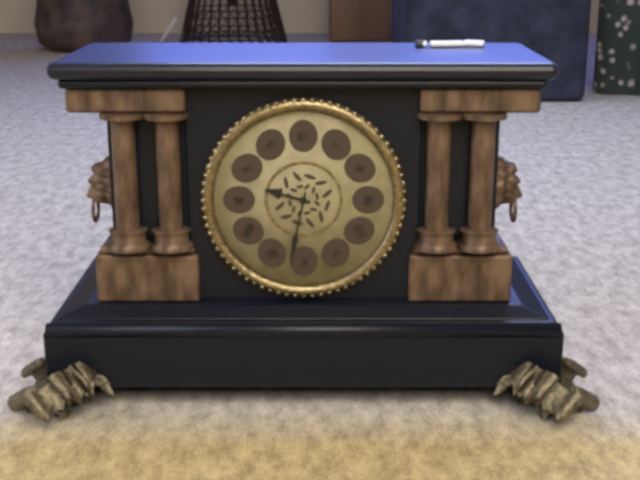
9:32
